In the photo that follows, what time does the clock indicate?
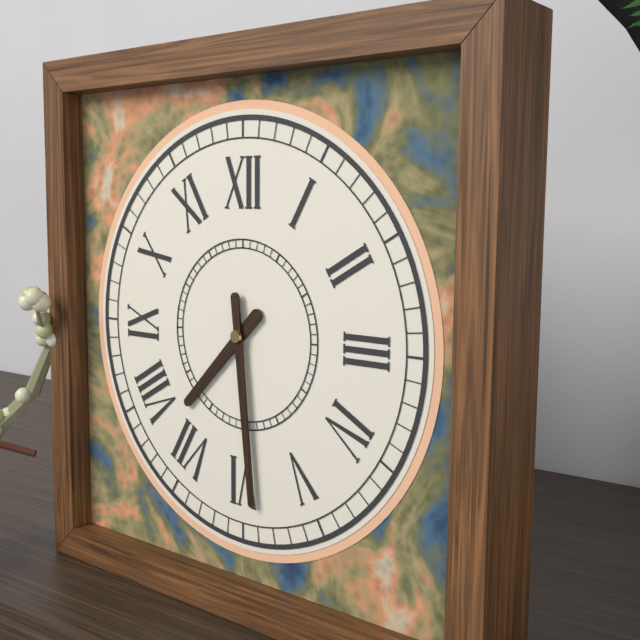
7:29
